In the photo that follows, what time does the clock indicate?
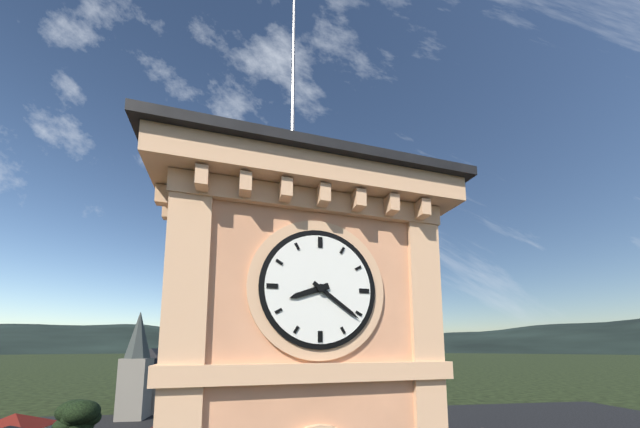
8:21
